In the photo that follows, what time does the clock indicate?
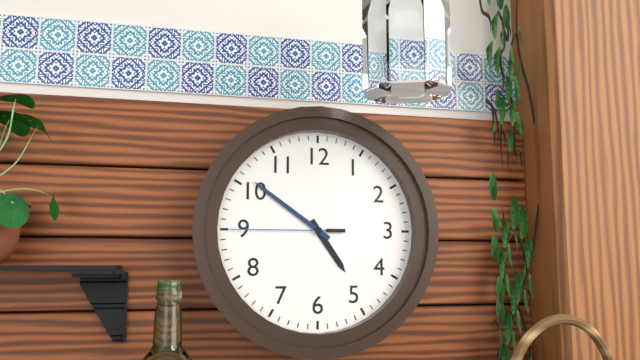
4:51:45
